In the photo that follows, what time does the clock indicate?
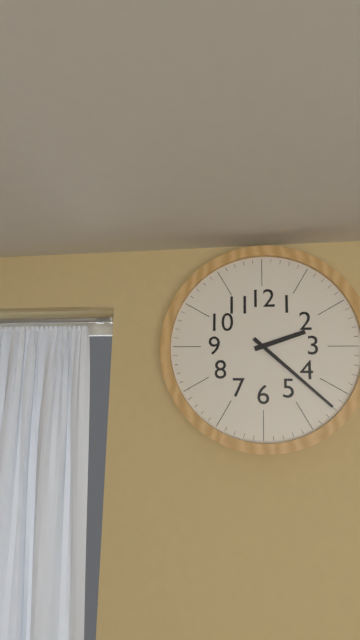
2:22
